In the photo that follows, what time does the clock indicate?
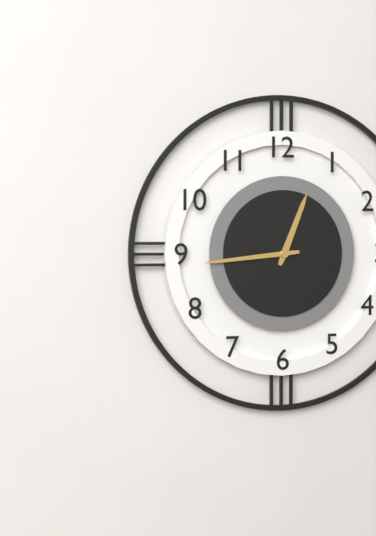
12:44
